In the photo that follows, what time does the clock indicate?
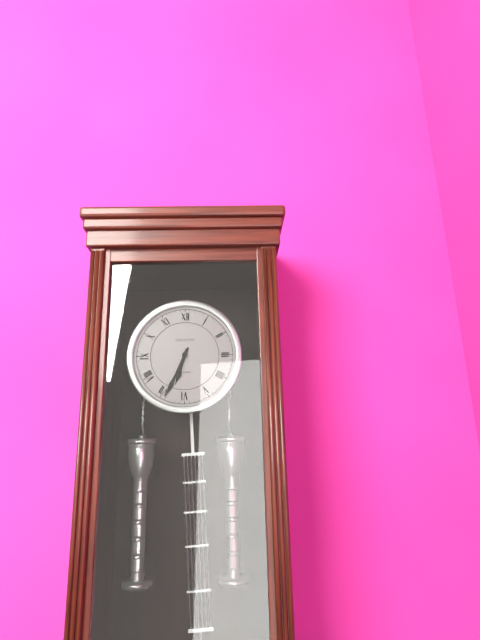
6:34
